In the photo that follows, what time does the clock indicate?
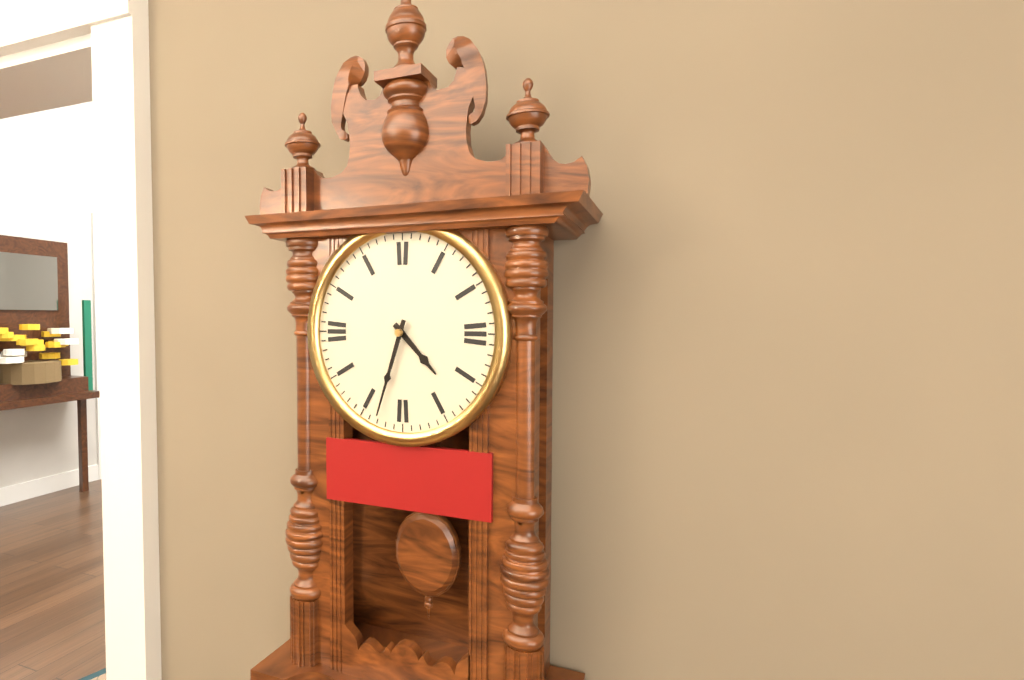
4:33
